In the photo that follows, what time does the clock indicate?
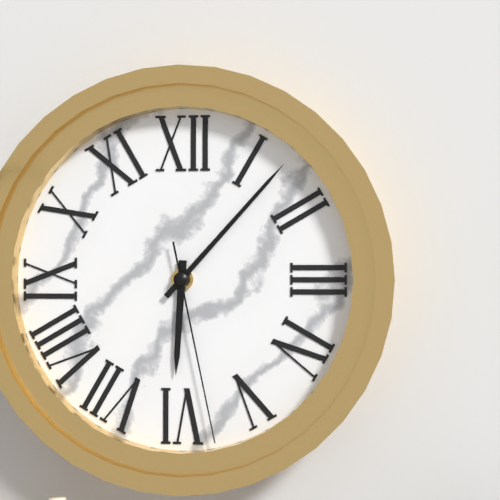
6:07:28
